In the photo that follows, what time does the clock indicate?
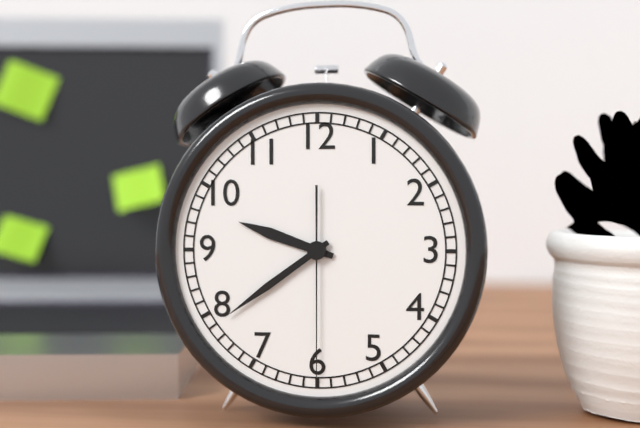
9:39:30
